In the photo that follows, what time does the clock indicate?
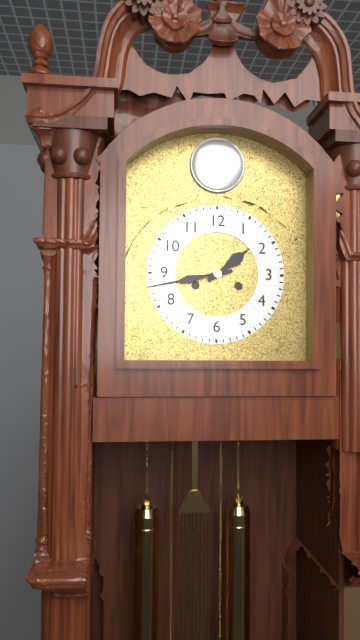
1:43
